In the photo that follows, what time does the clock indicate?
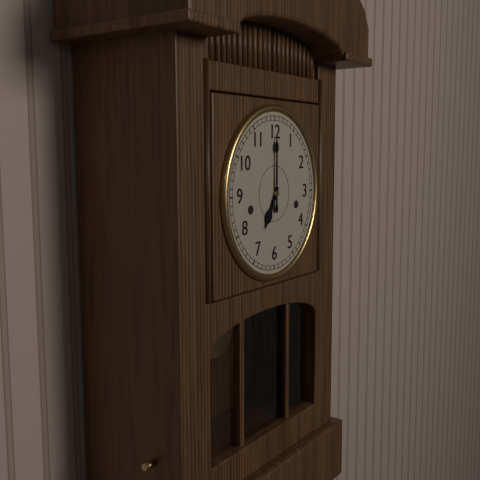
7:00
